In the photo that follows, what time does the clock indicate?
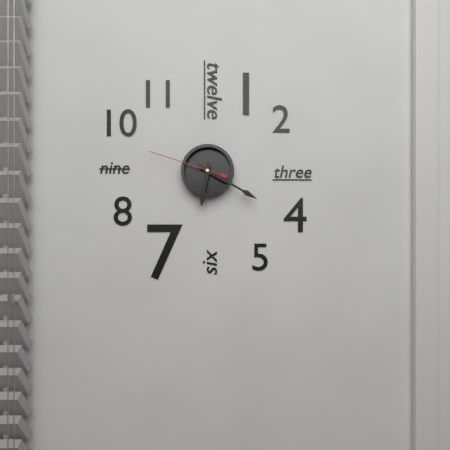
6:20:48
